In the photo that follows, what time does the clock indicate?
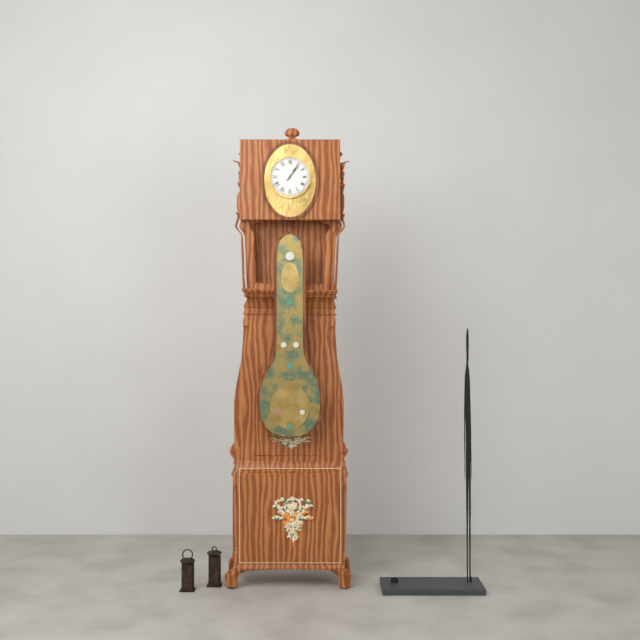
1:06
